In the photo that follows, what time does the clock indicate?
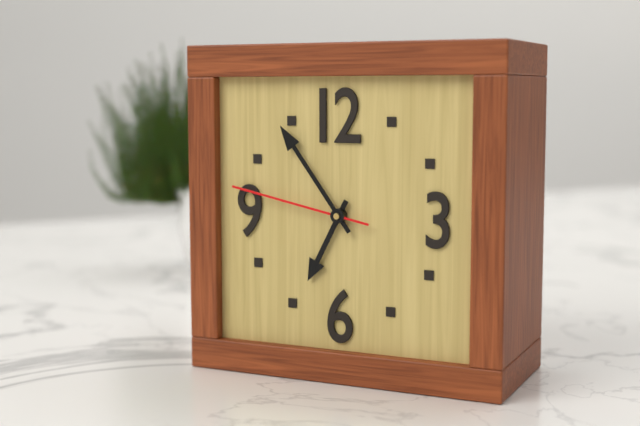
6:54:47
